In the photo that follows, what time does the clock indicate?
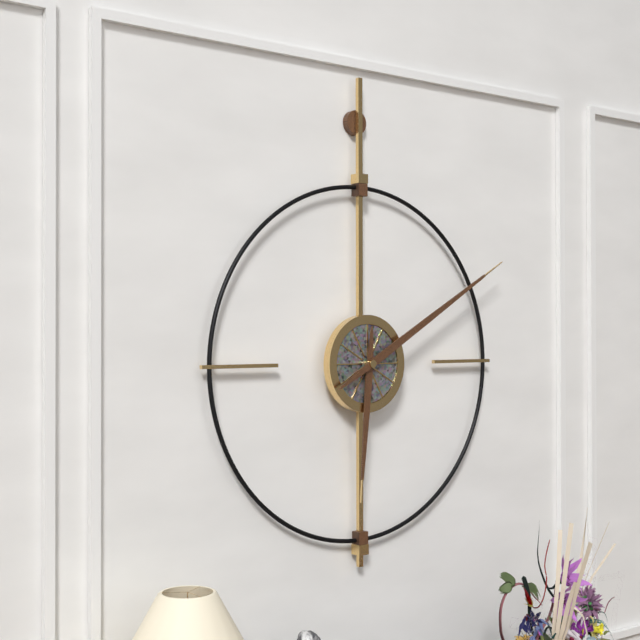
6:10
